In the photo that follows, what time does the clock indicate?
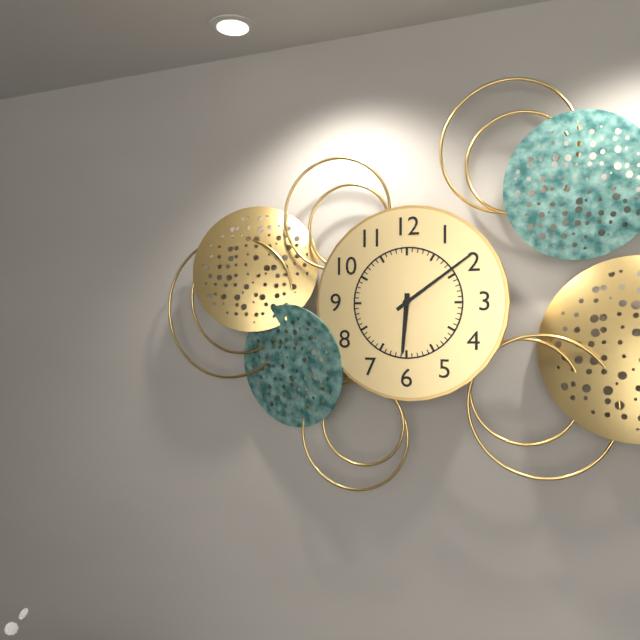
6:09
